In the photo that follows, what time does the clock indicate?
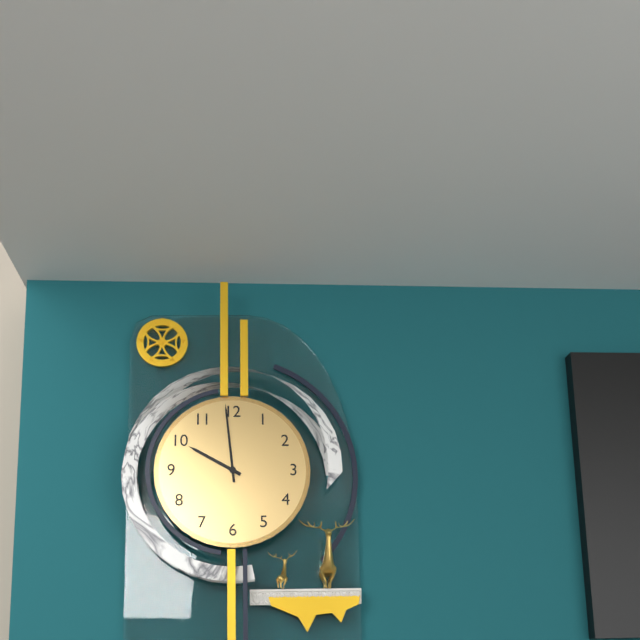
9:59
